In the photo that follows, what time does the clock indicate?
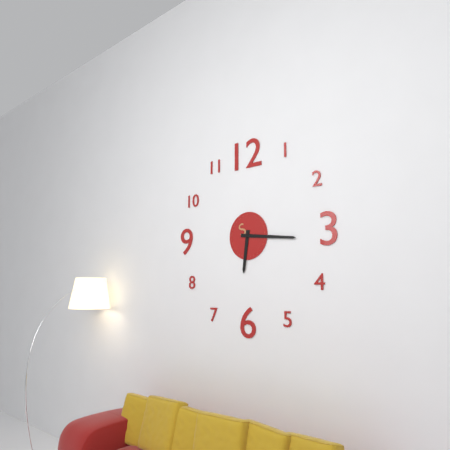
6:16
